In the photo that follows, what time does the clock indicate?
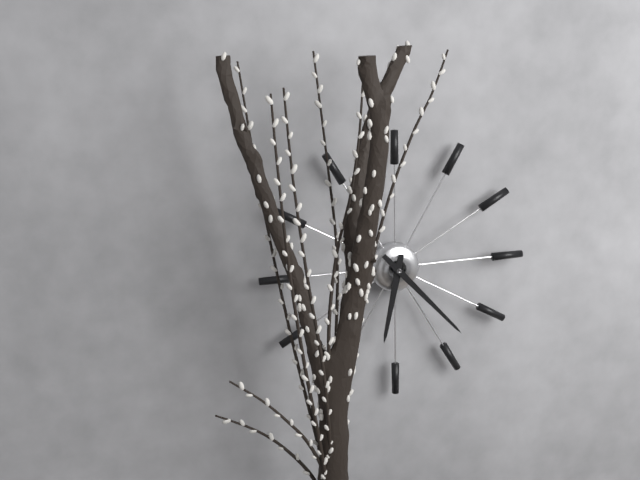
6:23
